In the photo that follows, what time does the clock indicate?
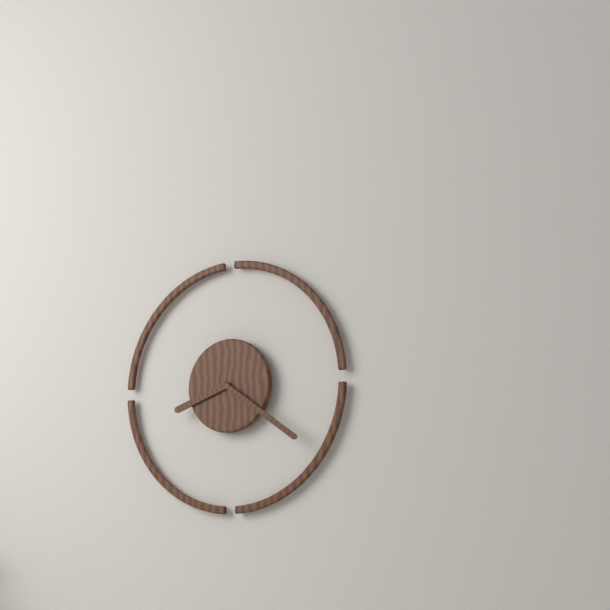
8:21
